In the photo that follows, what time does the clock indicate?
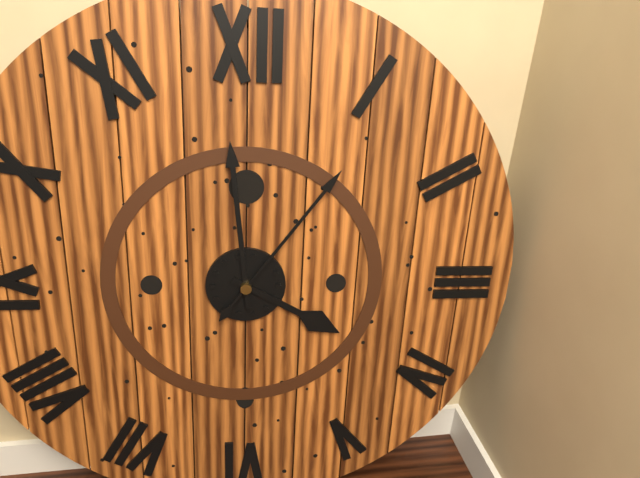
3:59:06
